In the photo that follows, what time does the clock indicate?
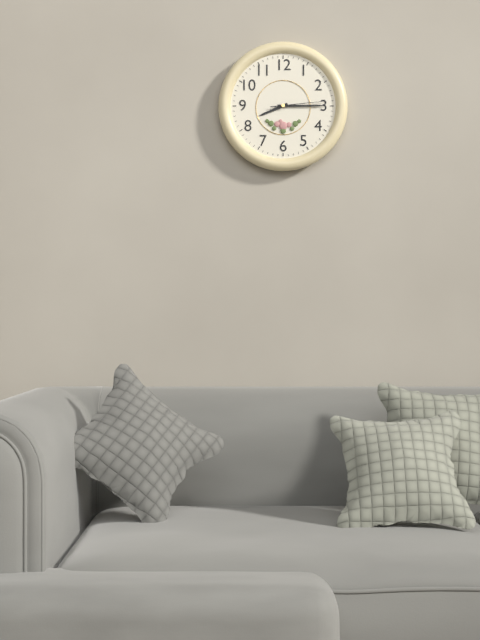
8:15:14
